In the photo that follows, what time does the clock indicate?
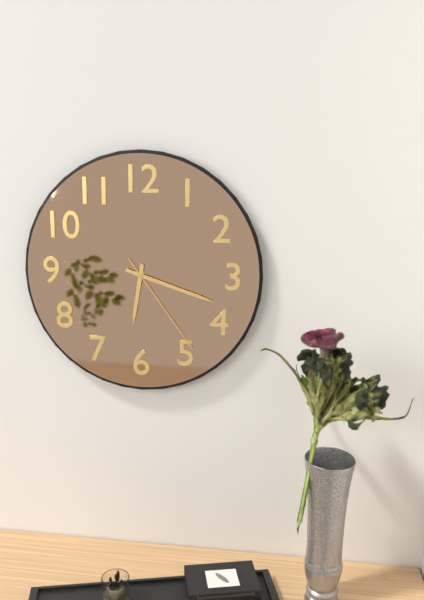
6:18:24
